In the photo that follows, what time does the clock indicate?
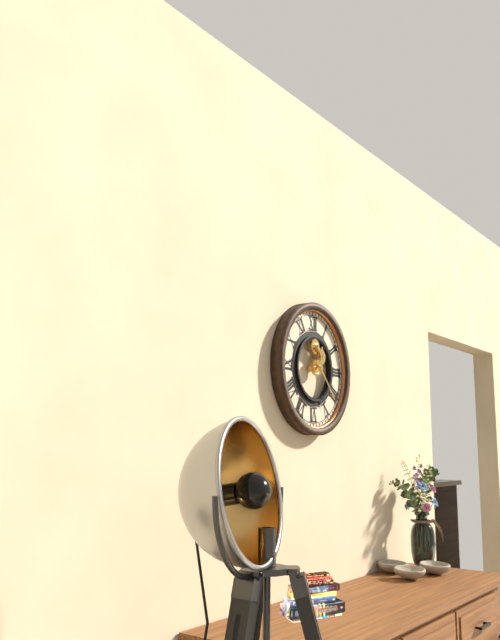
12:23
